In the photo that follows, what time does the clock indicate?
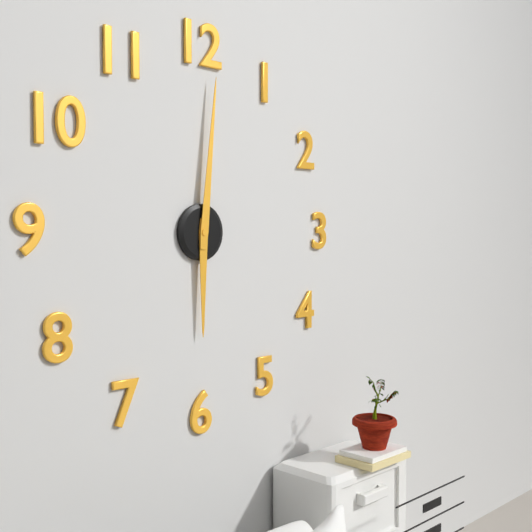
6:01
